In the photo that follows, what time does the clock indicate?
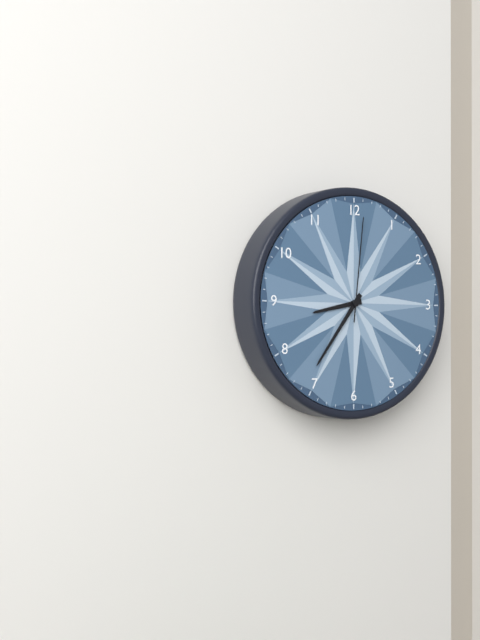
8:36:01
